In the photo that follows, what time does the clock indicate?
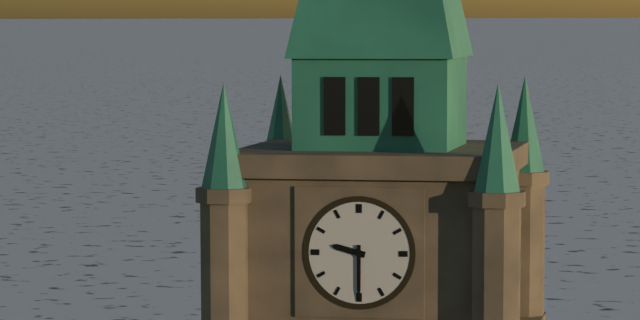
9:30
